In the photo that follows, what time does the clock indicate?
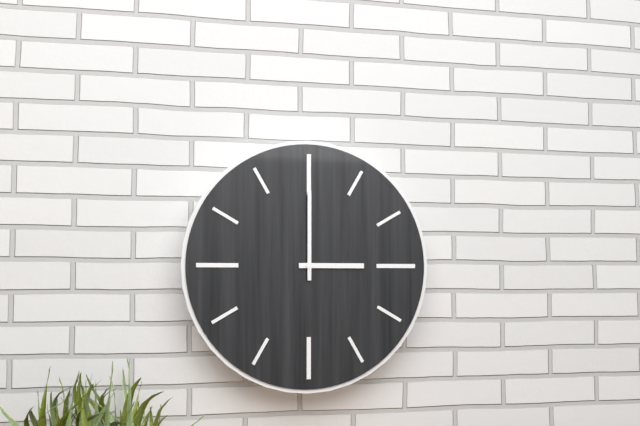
3:00
